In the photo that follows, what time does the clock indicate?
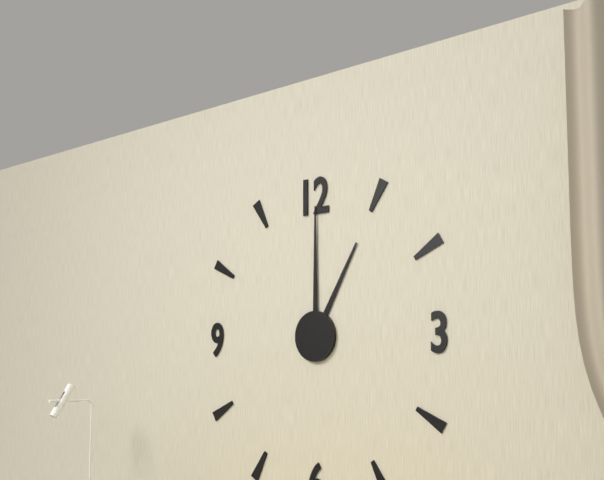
1:00
